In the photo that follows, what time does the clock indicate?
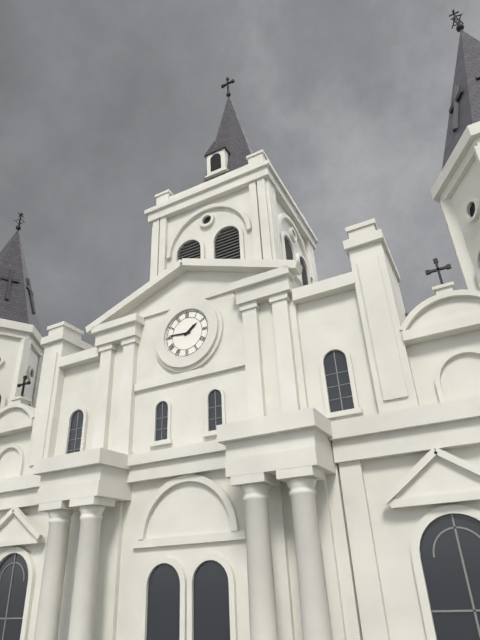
1:46
